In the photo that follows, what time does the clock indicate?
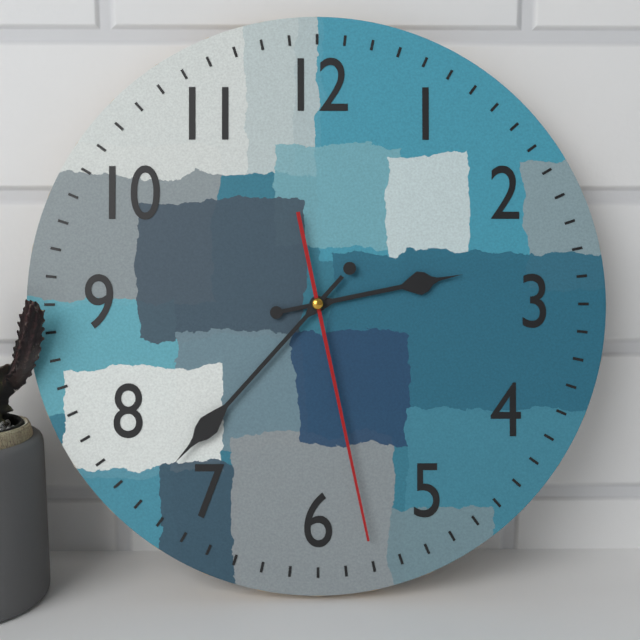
2:37:28
